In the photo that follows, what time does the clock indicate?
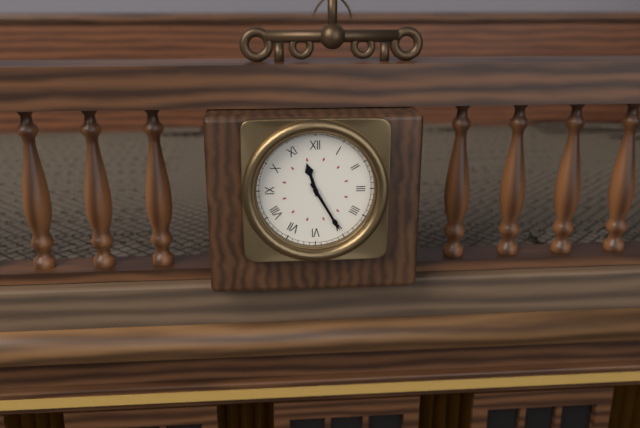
11:25
